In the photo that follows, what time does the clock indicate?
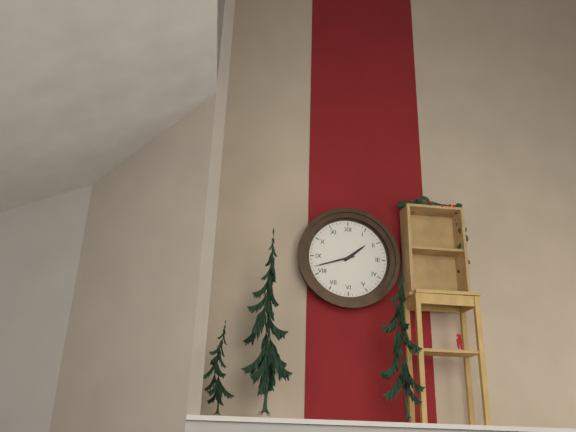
1:42
